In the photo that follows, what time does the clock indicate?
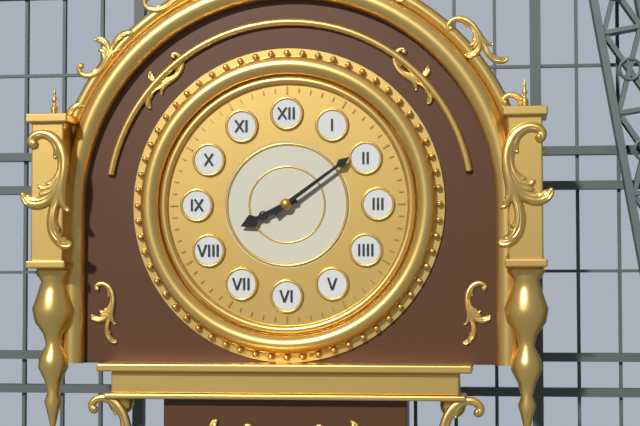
8:09
